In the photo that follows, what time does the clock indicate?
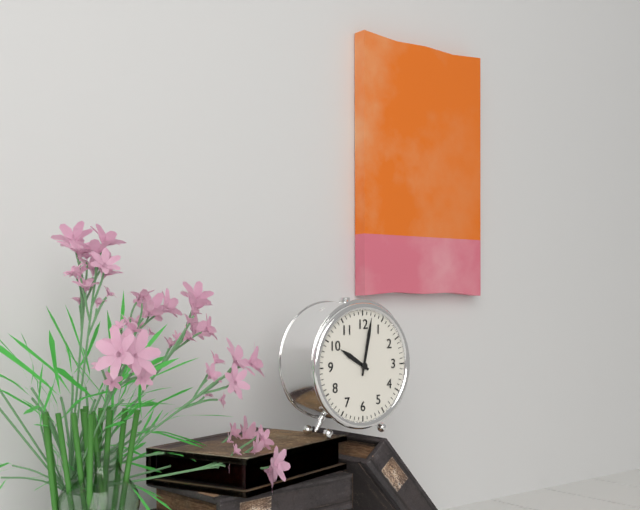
10:02
